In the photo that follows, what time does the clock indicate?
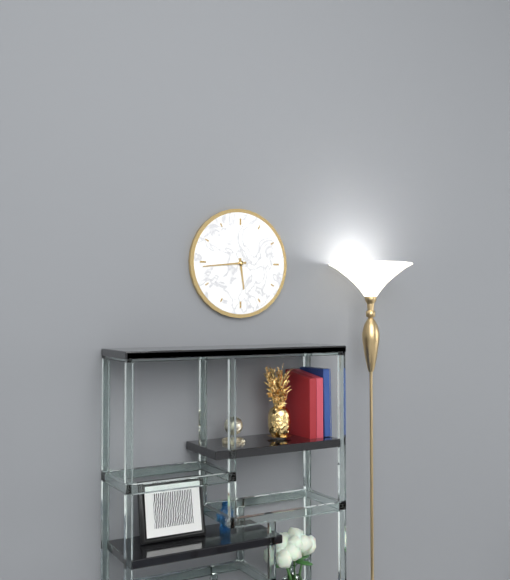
5:44
